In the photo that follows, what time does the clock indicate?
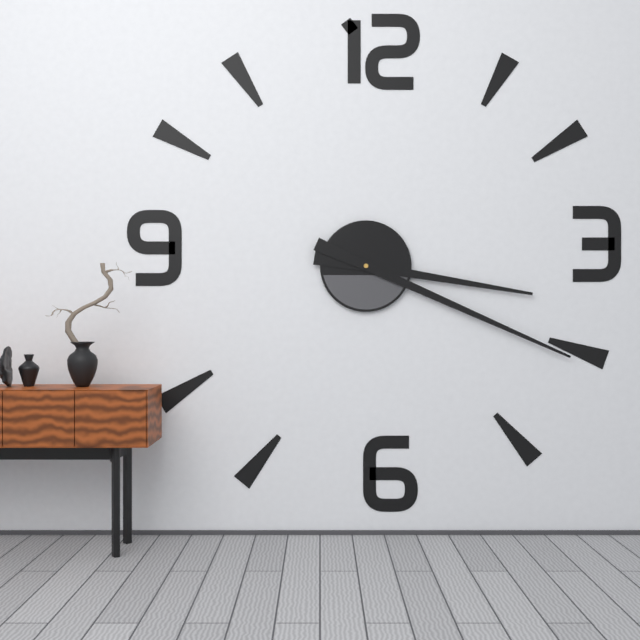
3:19
